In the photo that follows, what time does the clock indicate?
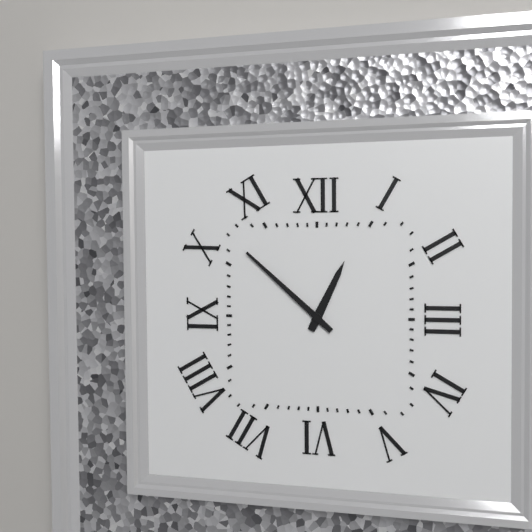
12:52
